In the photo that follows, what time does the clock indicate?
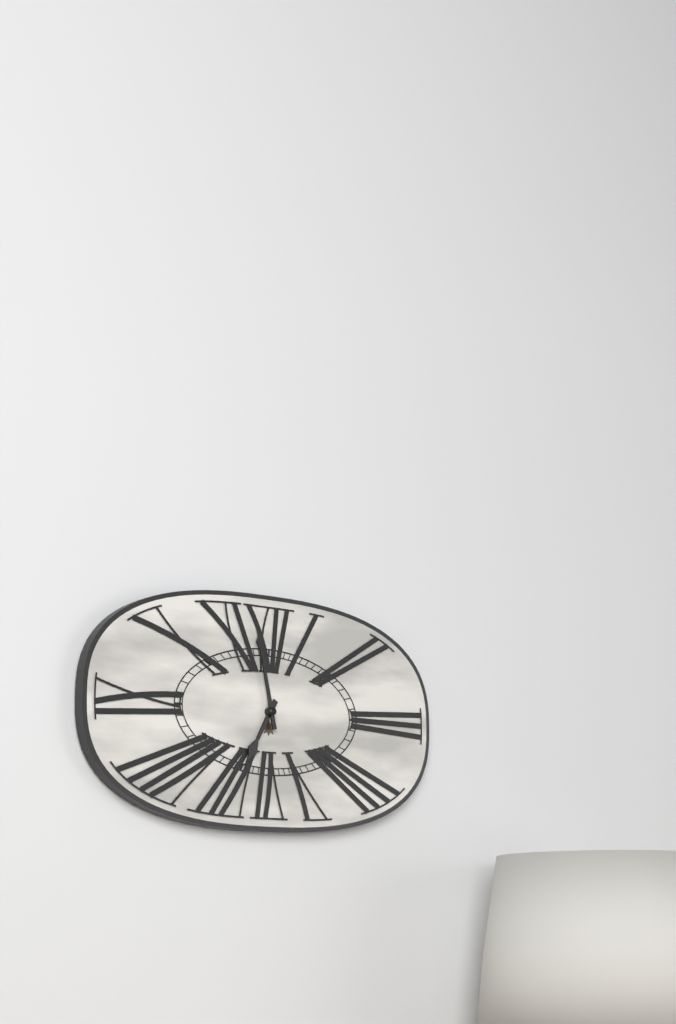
6:58
